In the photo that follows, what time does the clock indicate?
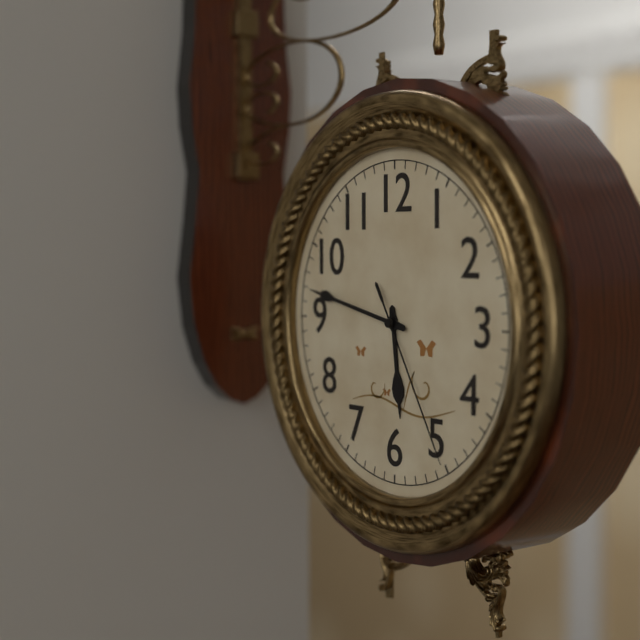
5:47:25
